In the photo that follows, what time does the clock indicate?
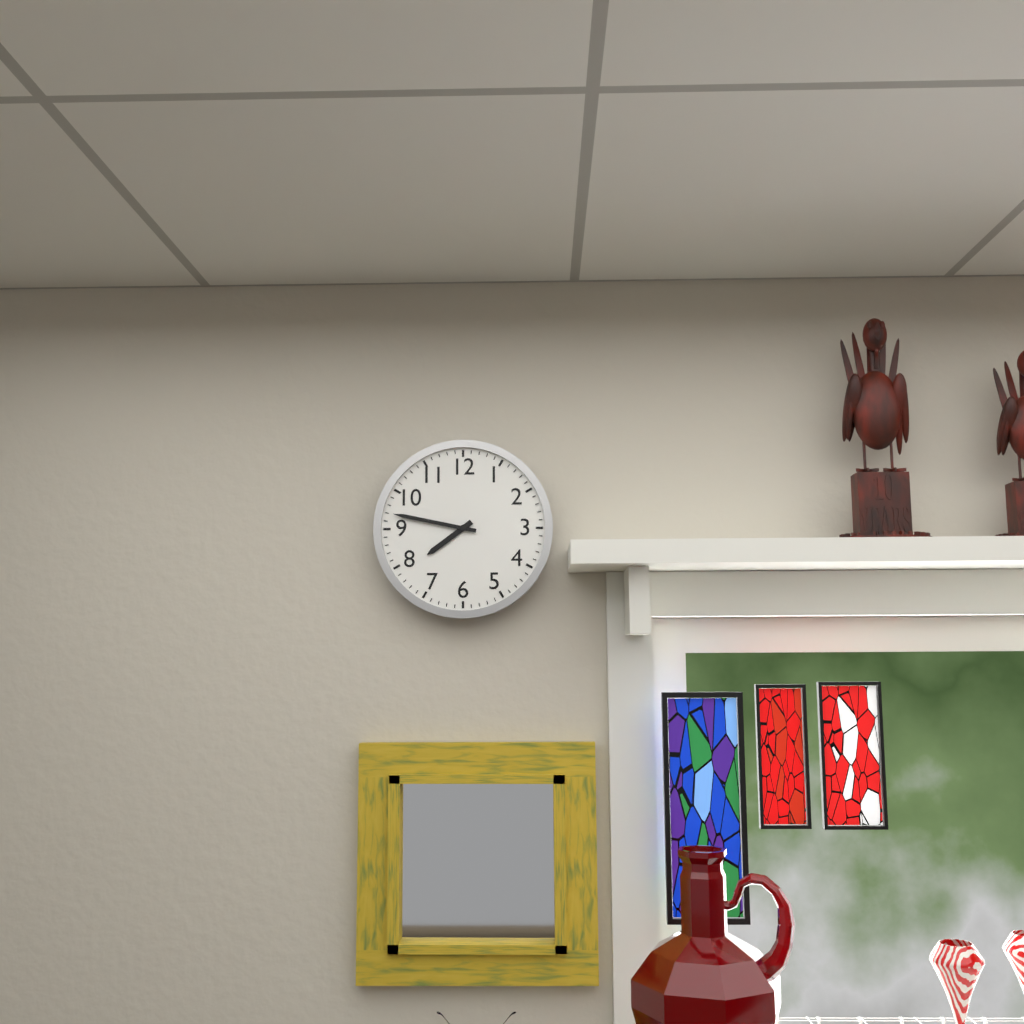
7:47
